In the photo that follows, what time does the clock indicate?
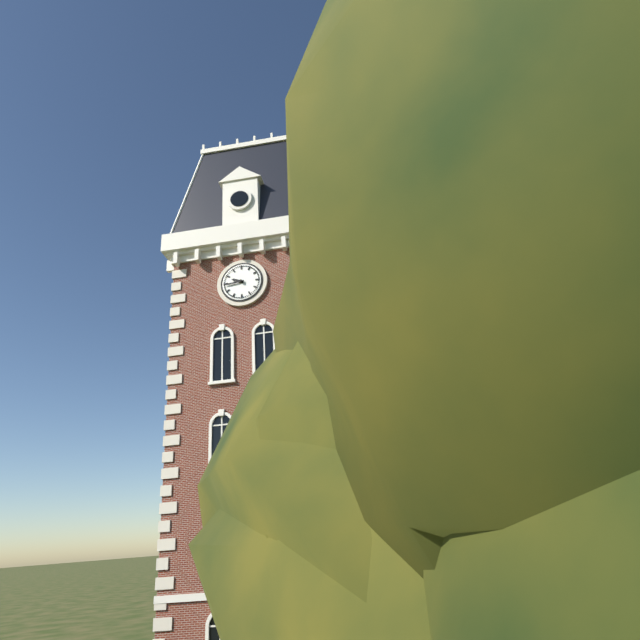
9:44
